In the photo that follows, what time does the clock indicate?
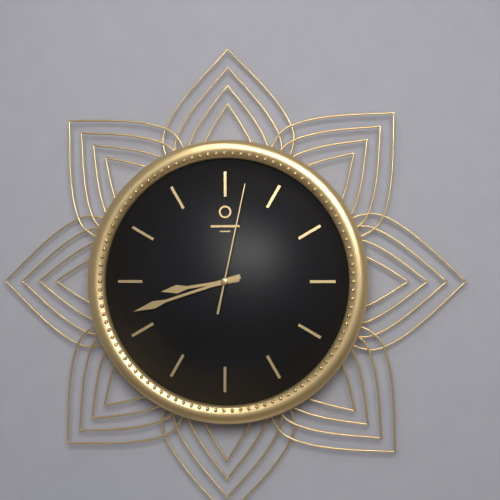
8:42:02
